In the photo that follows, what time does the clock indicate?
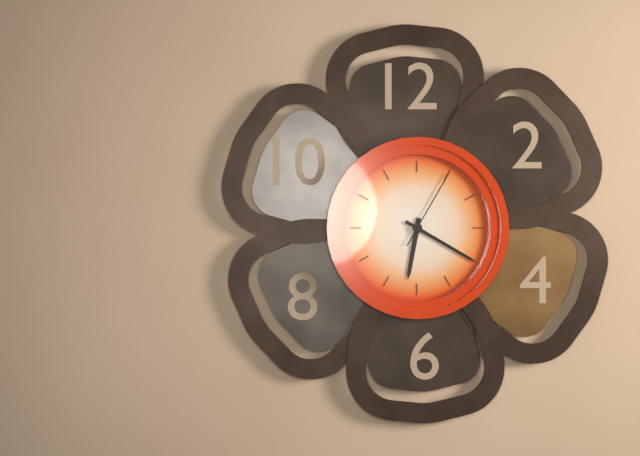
6:20:05
